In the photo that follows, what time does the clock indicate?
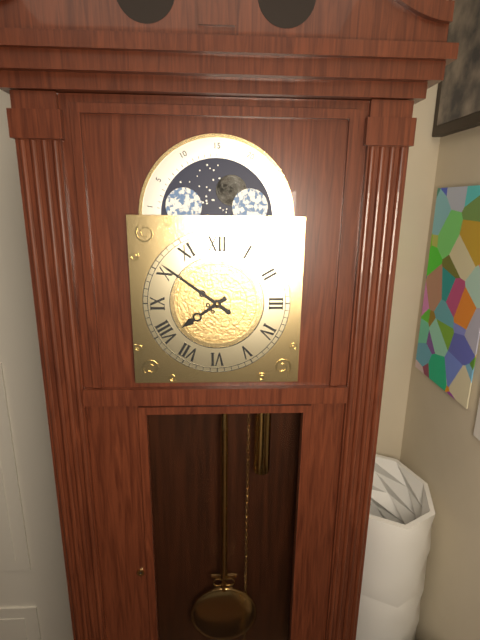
7:51
